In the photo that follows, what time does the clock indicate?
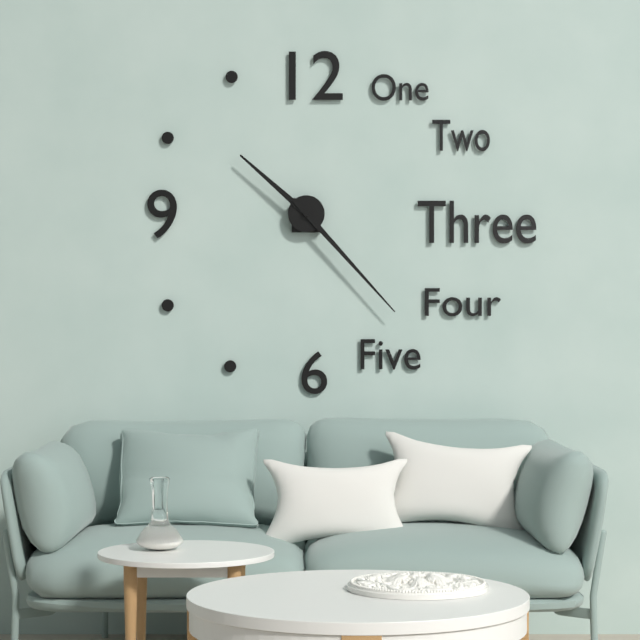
10:23
